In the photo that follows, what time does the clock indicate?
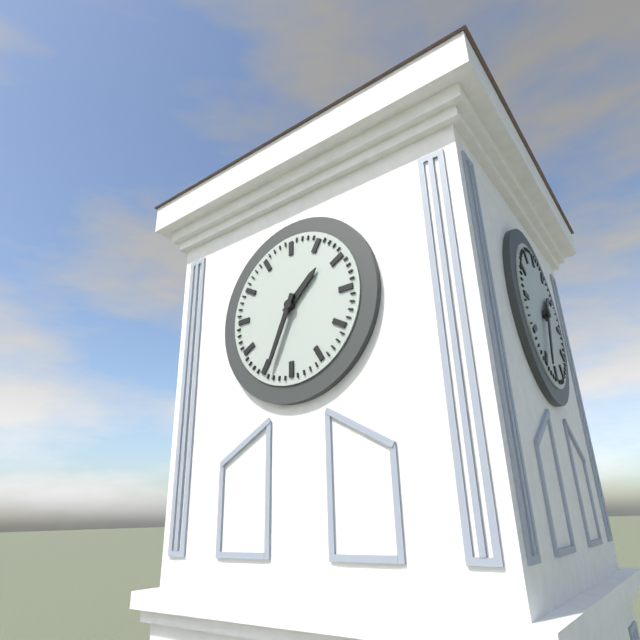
1:34
